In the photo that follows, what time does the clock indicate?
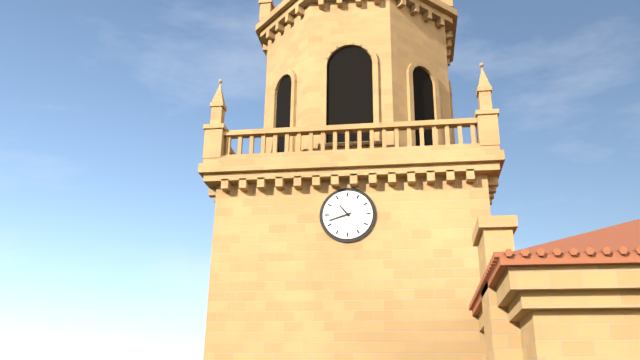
10:42
